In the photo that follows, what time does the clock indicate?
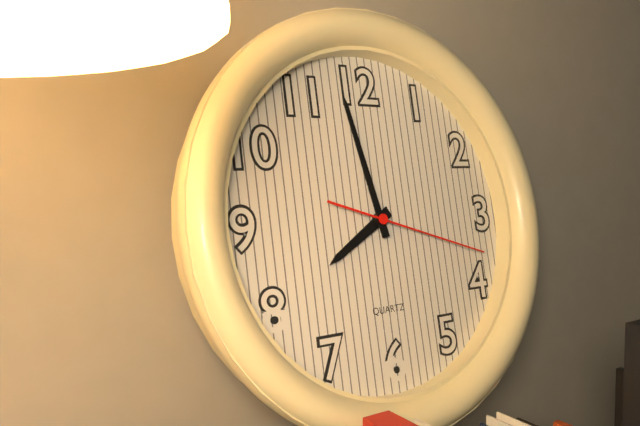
7:58:18
